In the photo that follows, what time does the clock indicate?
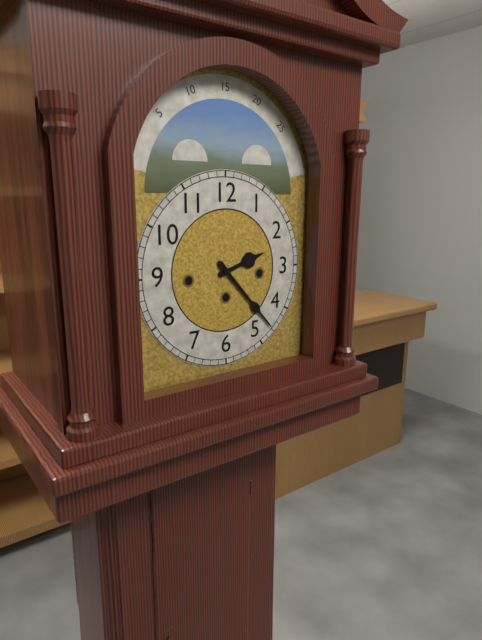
2:23
